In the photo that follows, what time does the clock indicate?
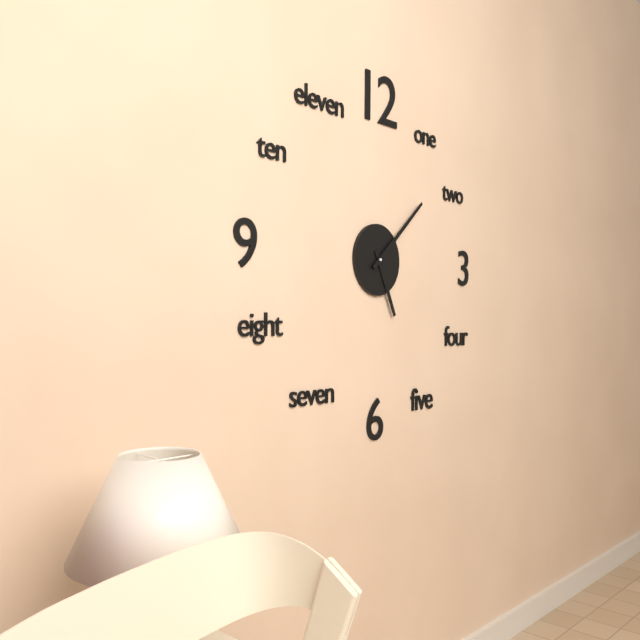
5:08
